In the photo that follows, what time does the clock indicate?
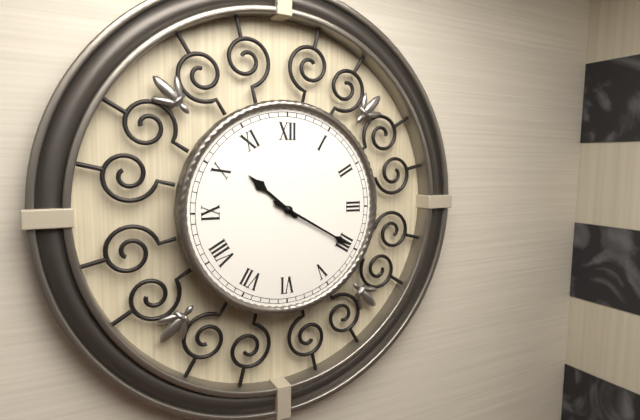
10:20
